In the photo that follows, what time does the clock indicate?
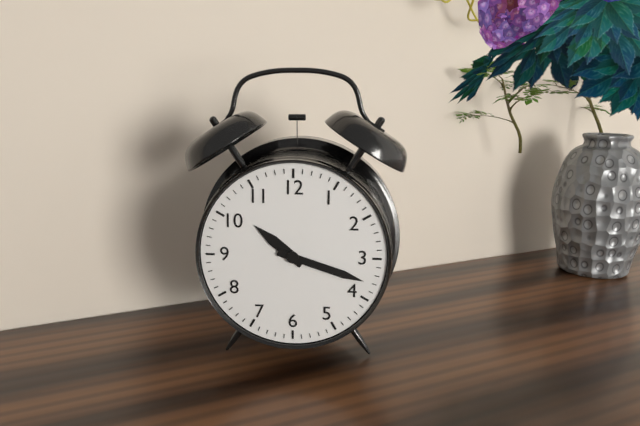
10:18
